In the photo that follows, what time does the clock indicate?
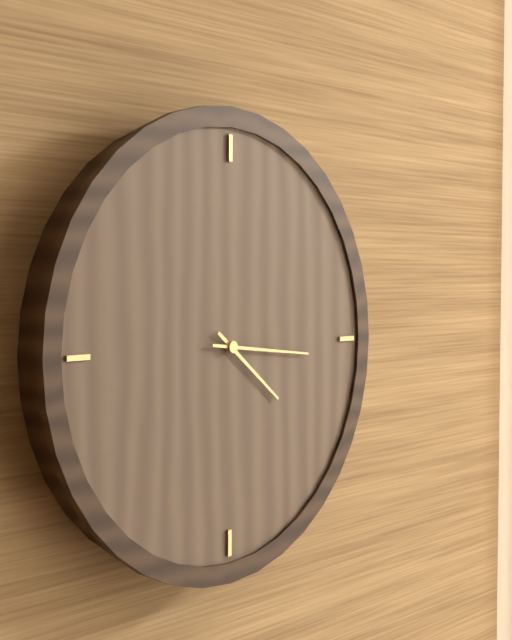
4:16
